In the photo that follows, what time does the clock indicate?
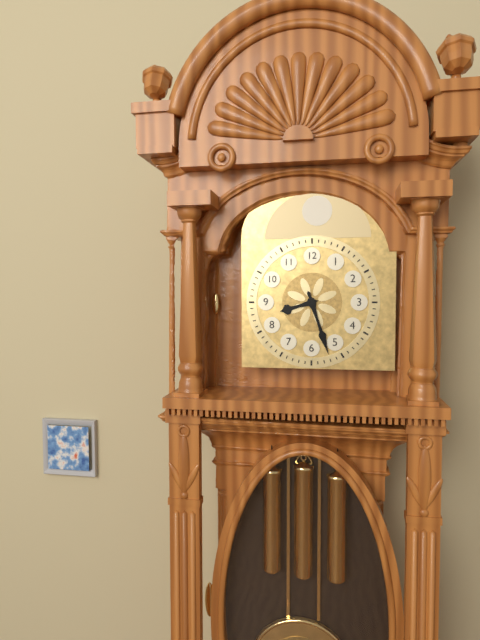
8:27
